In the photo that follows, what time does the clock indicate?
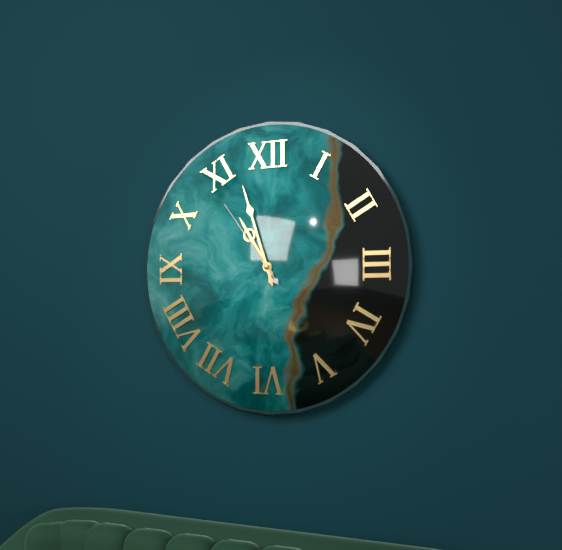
10:57:54
